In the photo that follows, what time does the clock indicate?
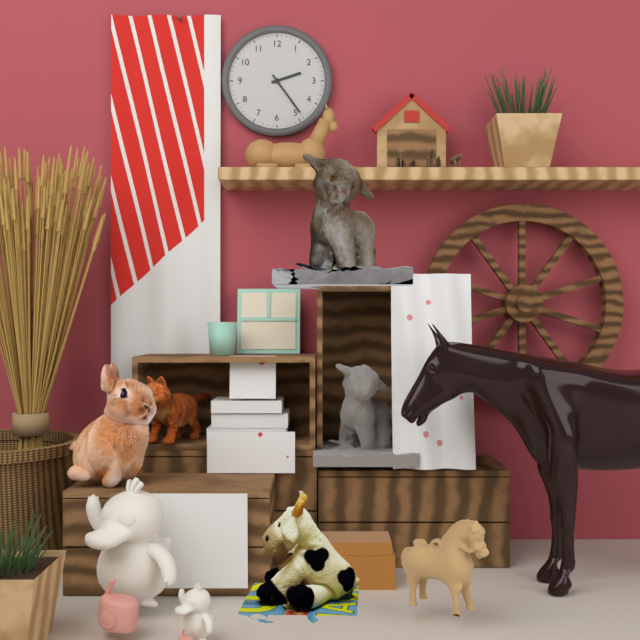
2:24
